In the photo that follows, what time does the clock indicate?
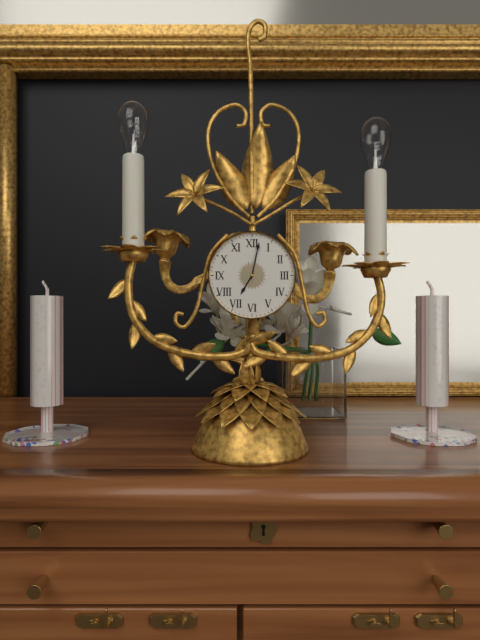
7:02
